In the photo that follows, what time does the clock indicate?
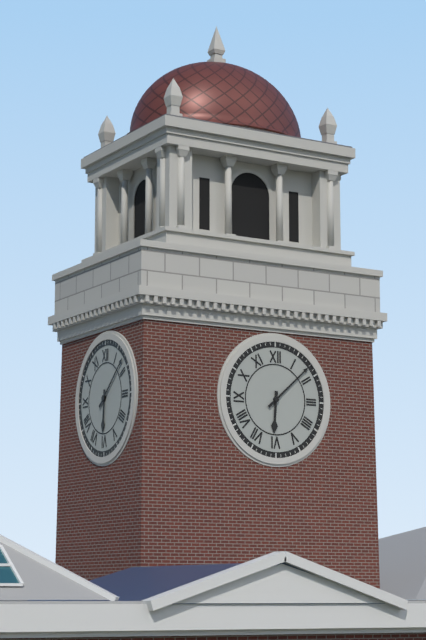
6:08
